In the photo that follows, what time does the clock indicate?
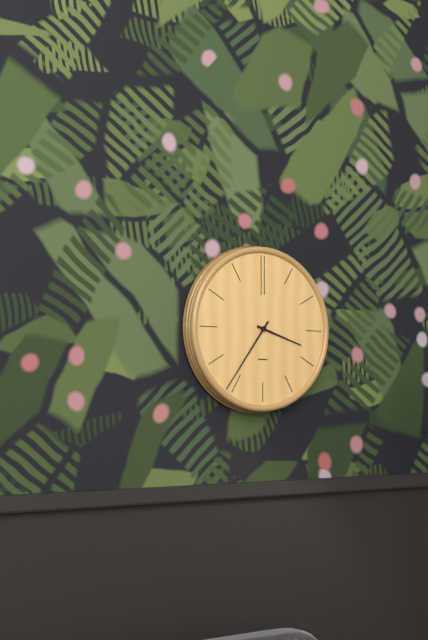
3:36
